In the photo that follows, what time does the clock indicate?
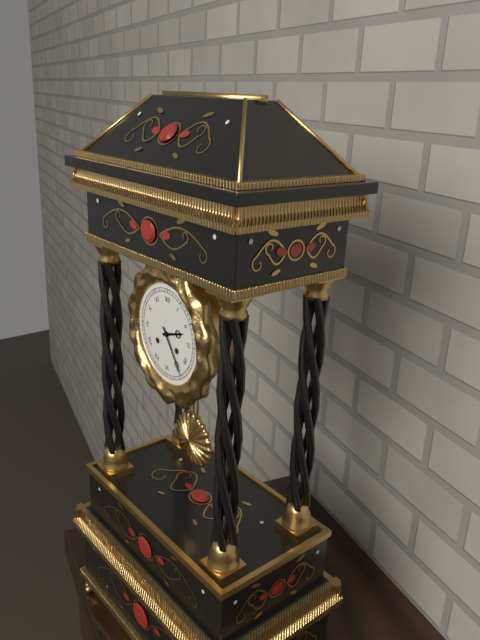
2:24
